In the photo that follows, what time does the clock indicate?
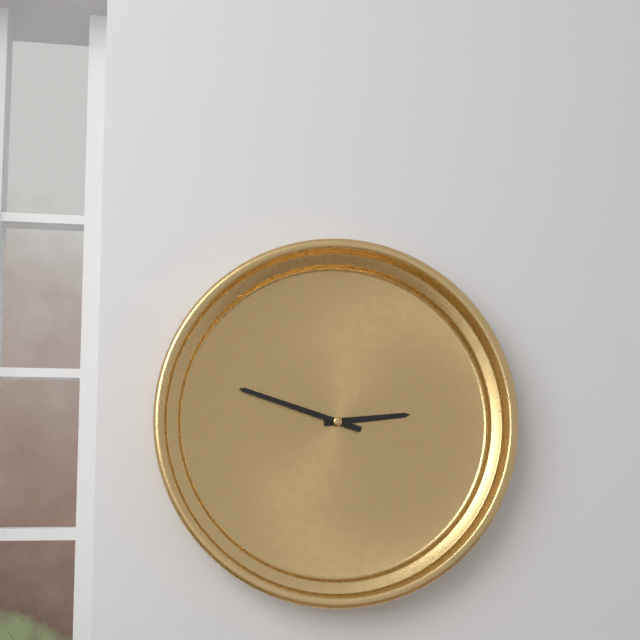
2:48
